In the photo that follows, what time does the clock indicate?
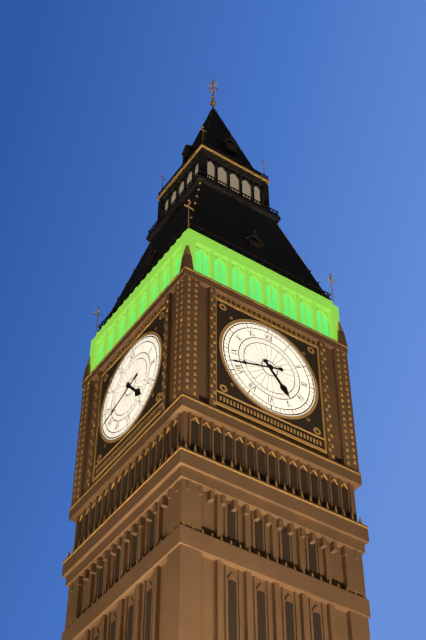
4:42
